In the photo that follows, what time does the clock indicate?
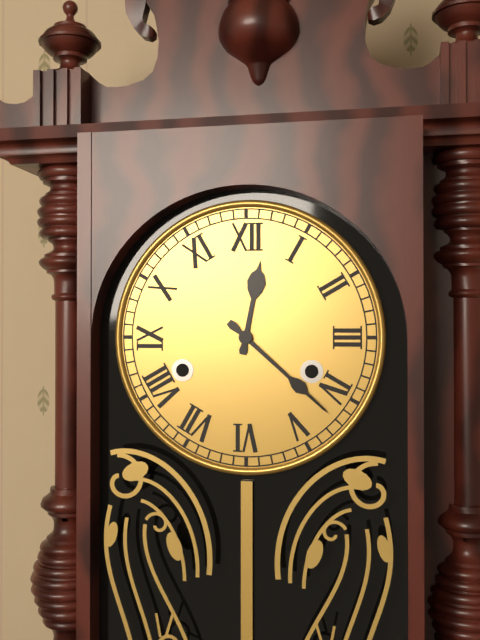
12:22
